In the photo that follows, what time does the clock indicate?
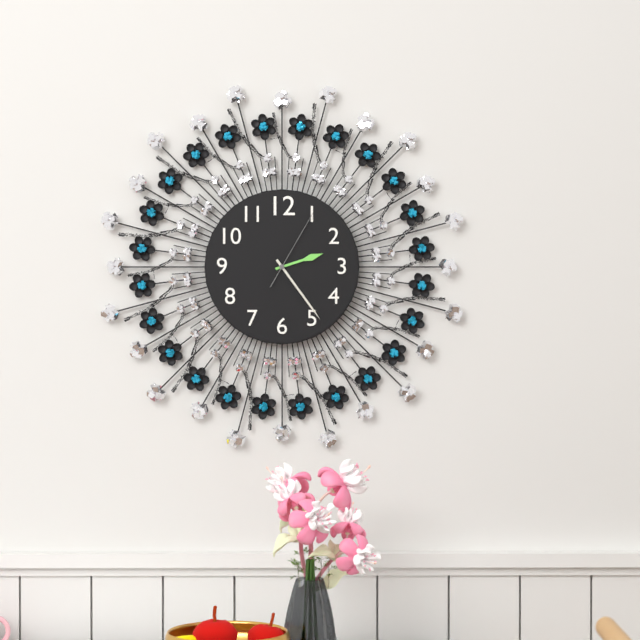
2:24:05
